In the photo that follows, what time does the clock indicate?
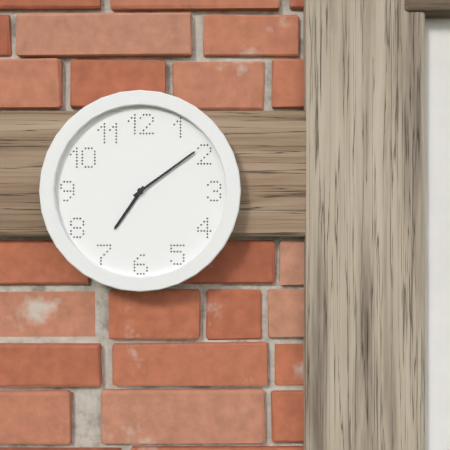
7:09
